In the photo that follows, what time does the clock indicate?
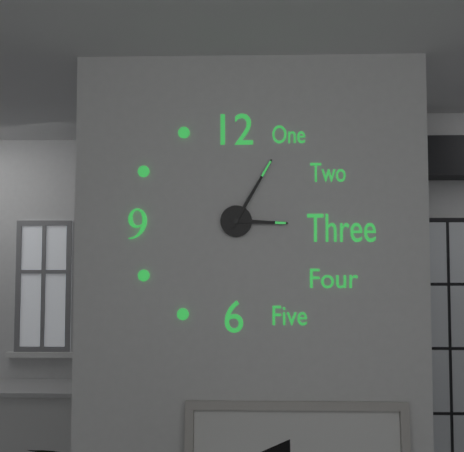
3:05
